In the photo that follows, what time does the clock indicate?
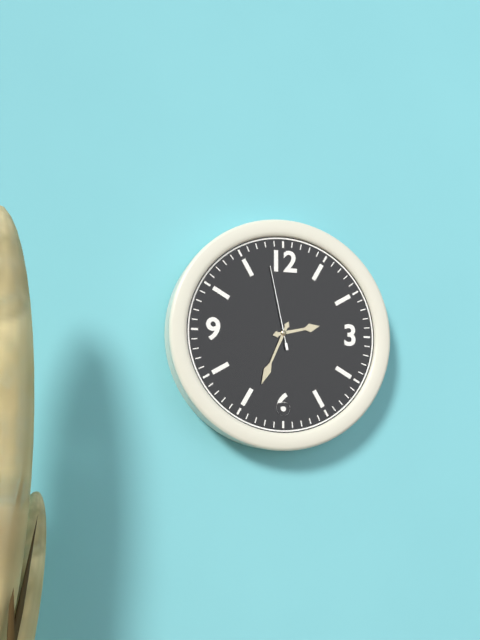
2:34:58
